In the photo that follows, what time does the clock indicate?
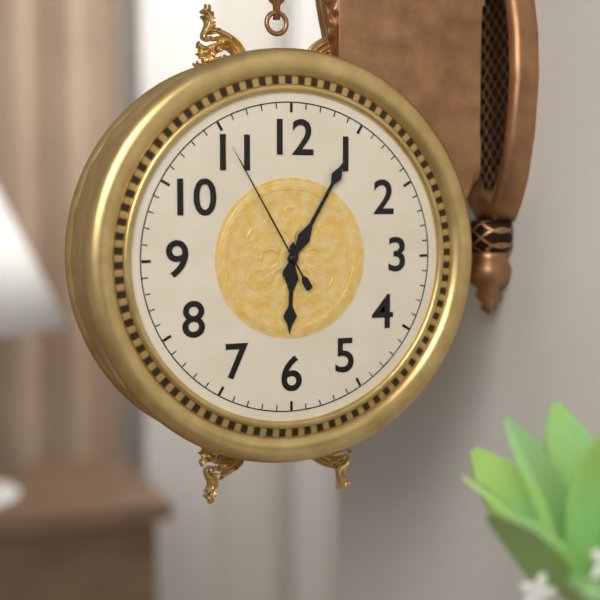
6:05:55
